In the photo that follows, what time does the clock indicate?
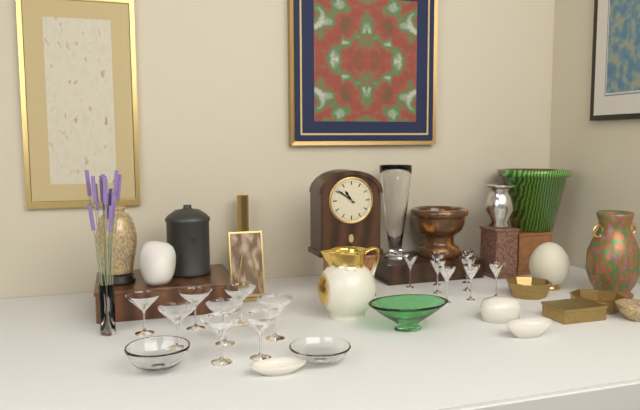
10:51
